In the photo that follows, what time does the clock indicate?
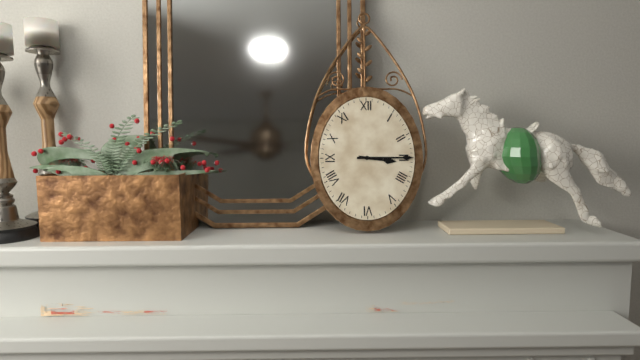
3:15
